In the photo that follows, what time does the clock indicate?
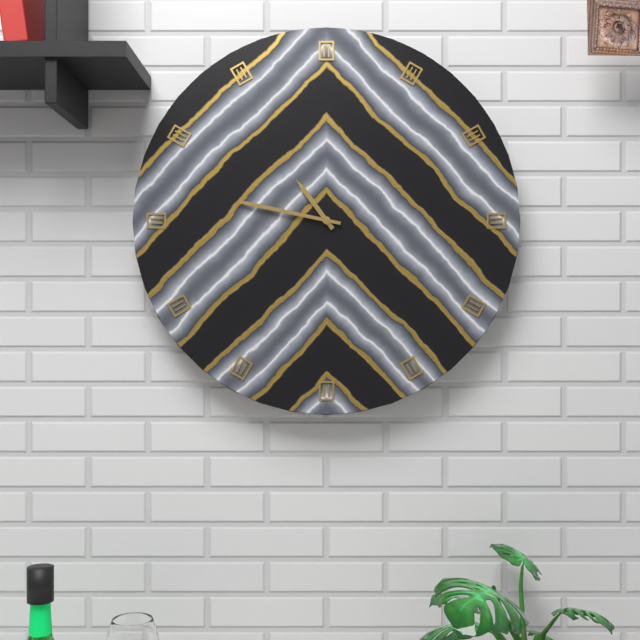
10:47
